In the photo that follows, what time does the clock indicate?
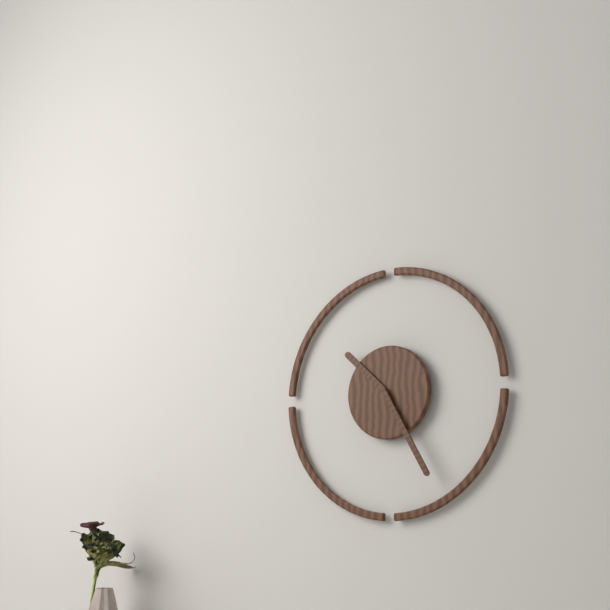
10:25
